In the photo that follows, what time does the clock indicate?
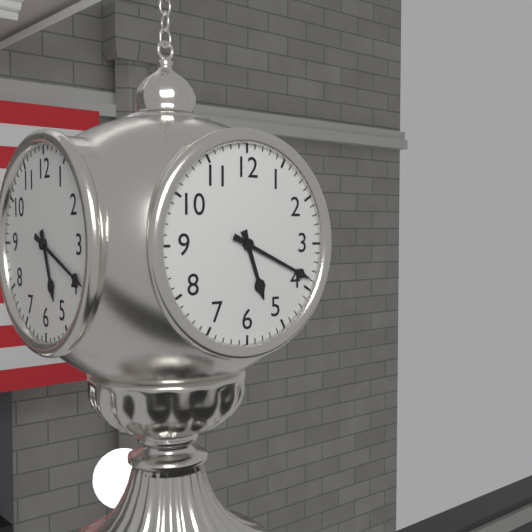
5:19
